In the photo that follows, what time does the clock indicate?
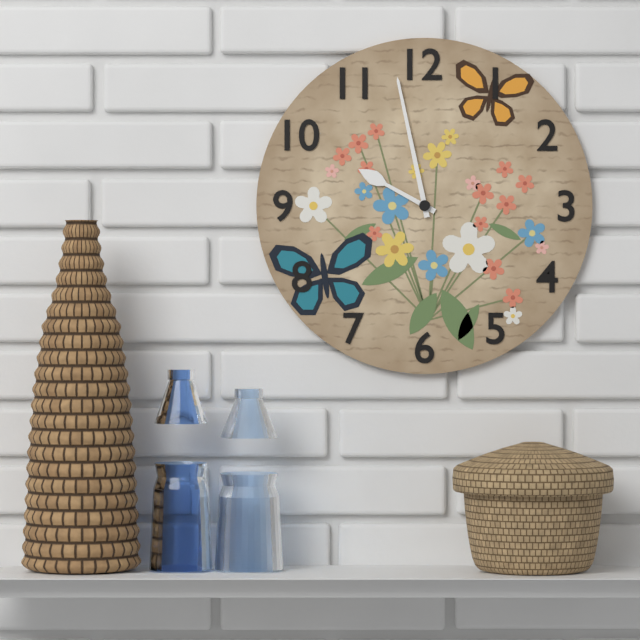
9:58
